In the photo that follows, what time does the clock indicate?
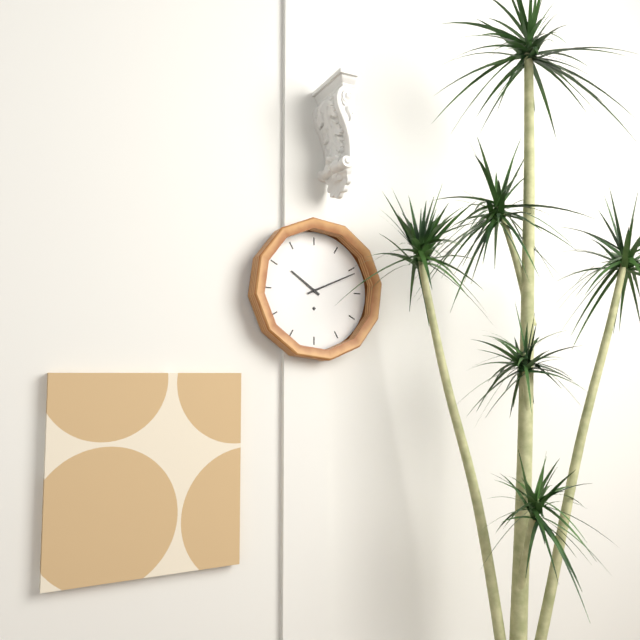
10:11
